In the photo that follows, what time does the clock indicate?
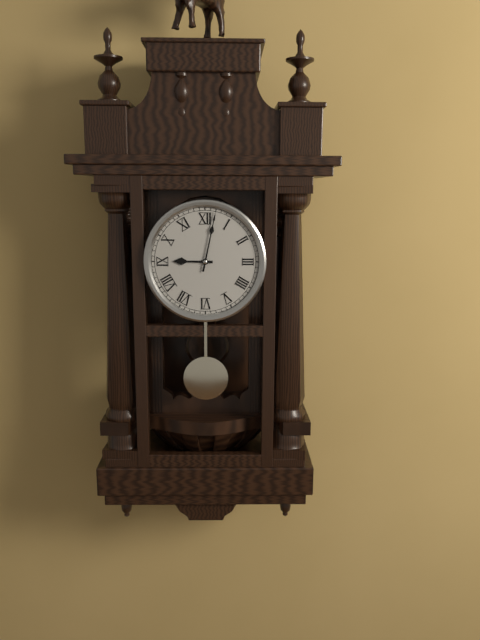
9:02
